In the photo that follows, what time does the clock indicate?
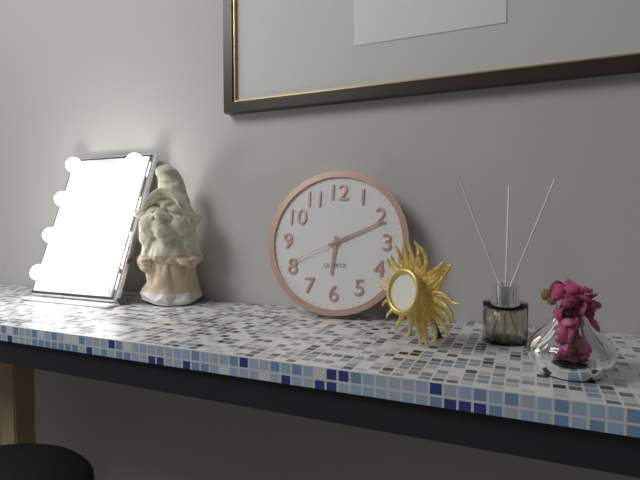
6:11:41
